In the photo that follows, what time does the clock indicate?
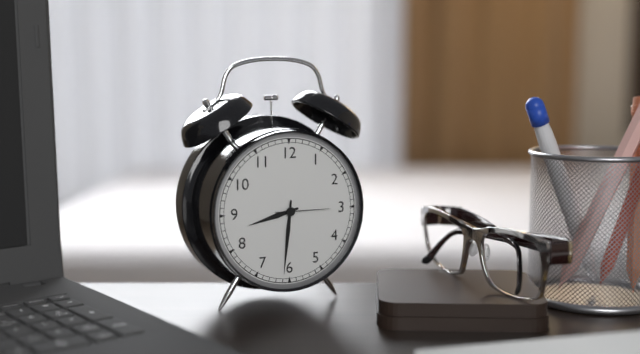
8:31
